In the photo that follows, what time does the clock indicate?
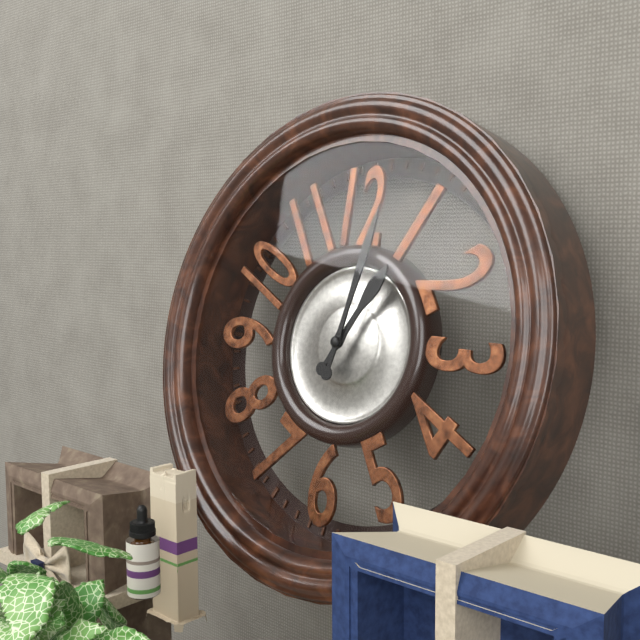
1:02
